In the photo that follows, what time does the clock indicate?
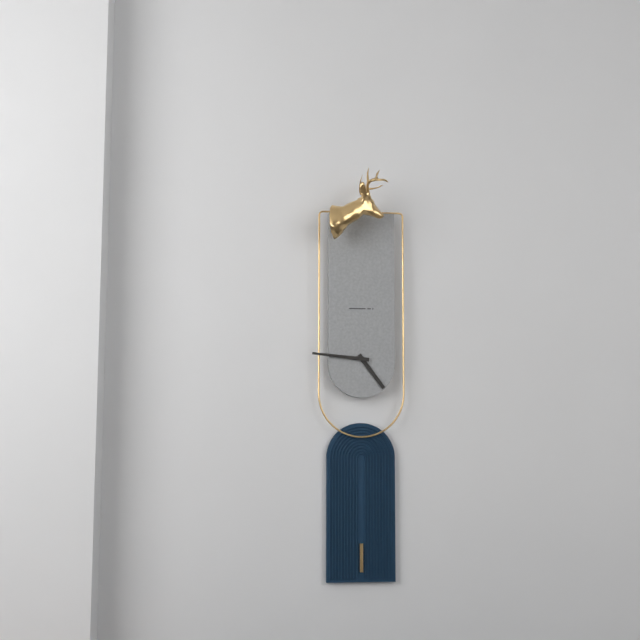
4:46
